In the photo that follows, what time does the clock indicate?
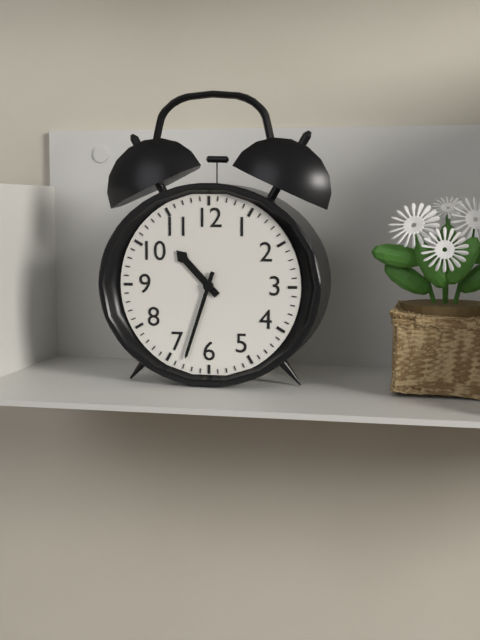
10:33
